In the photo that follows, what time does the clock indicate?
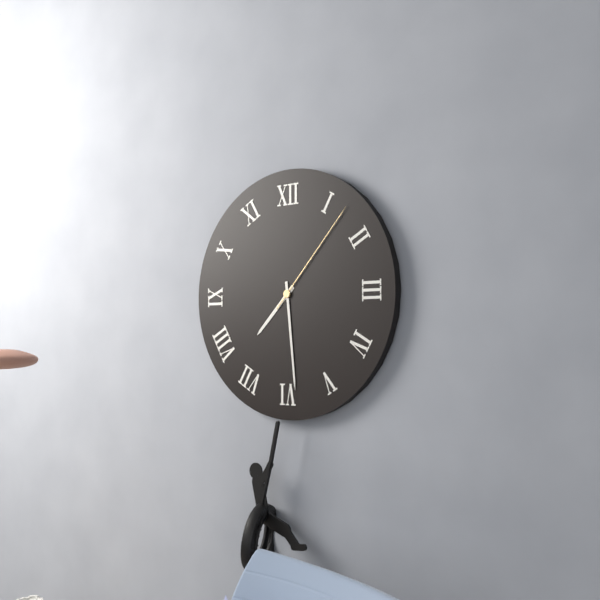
7:29:07
